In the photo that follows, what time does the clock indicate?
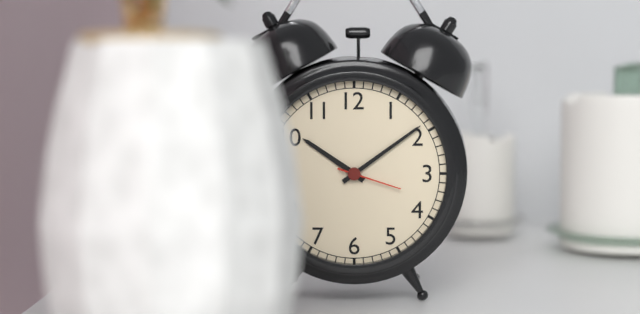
10:09:18
